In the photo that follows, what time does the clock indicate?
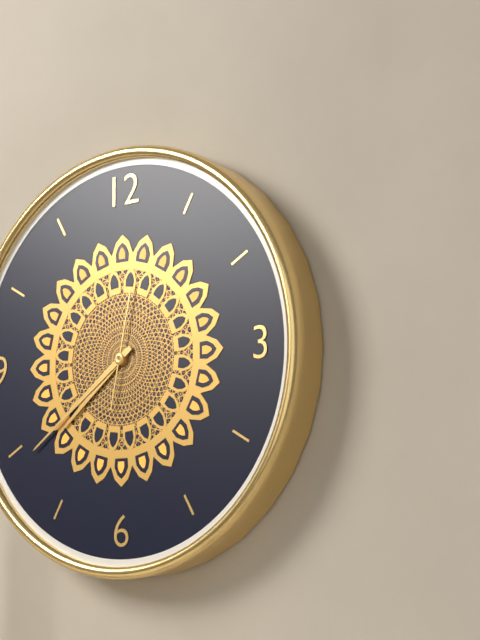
7:39:02
